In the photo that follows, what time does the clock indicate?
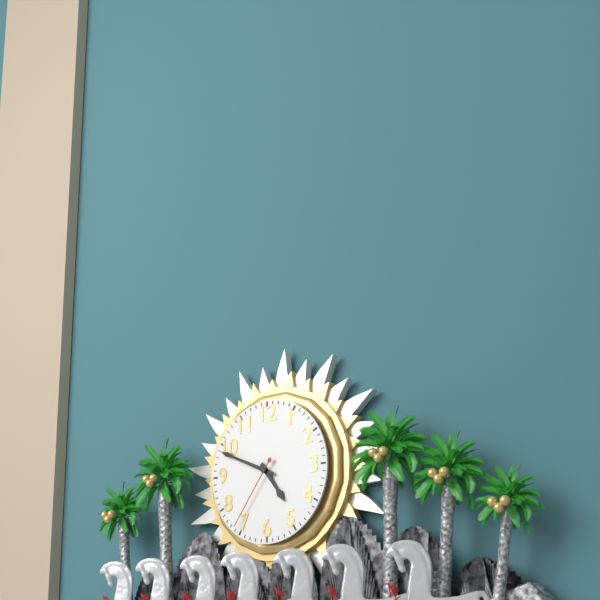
4:49:36
